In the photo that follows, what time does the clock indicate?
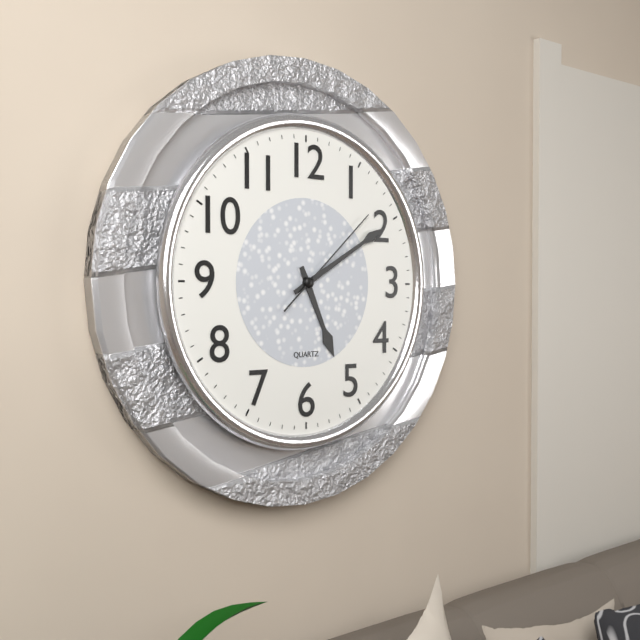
5:10:08
